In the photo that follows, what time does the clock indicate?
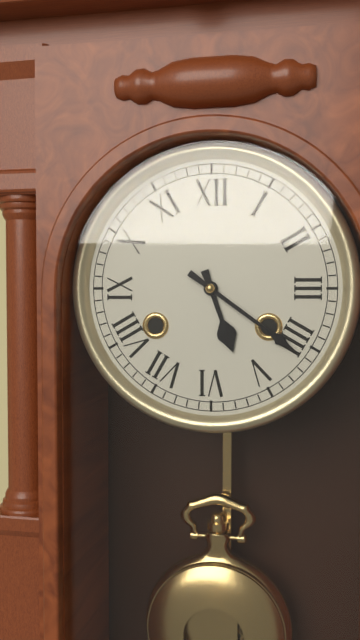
5:21
